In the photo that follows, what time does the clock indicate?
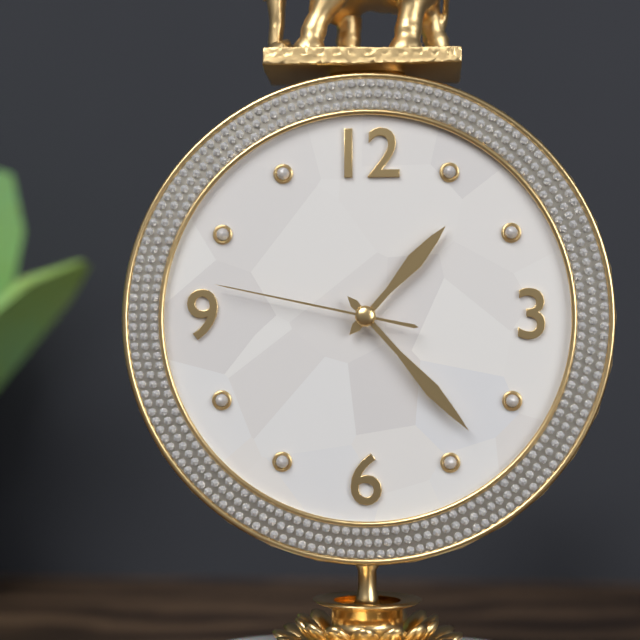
1:23:47
